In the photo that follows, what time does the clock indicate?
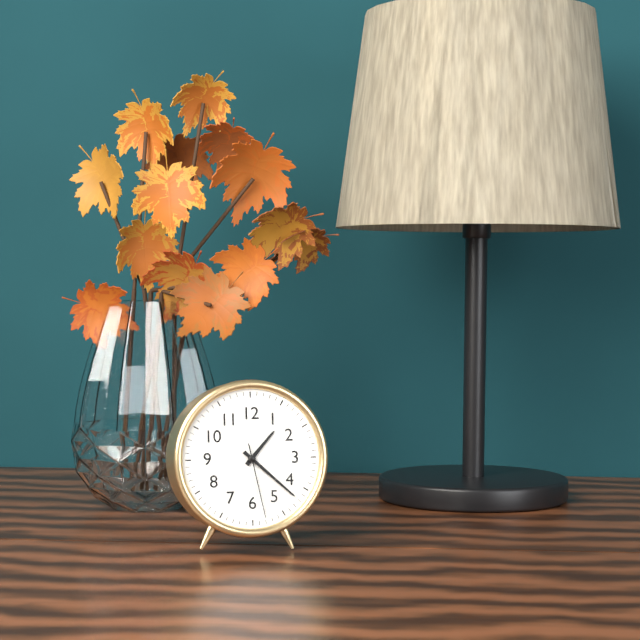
1:22:28
